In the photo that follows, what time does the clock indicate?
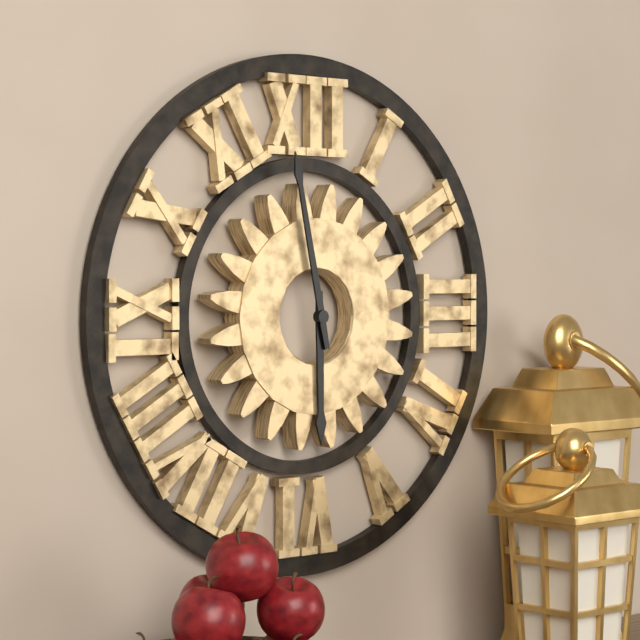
5:58
